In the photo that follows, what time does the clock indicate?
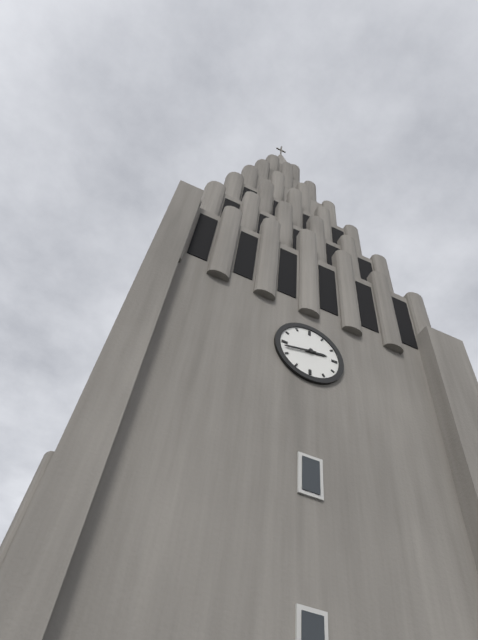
2:43
